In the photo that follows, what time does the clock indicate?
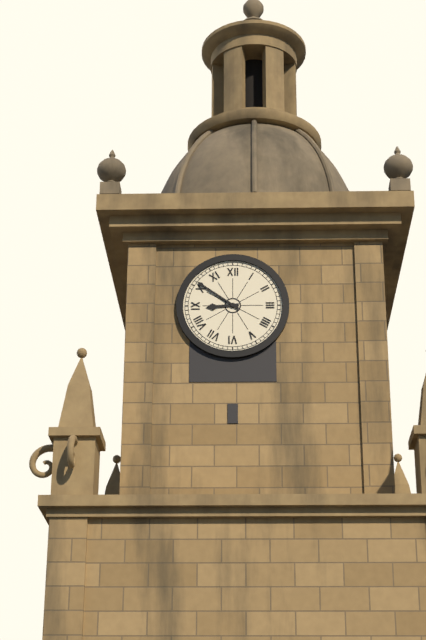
8:51
